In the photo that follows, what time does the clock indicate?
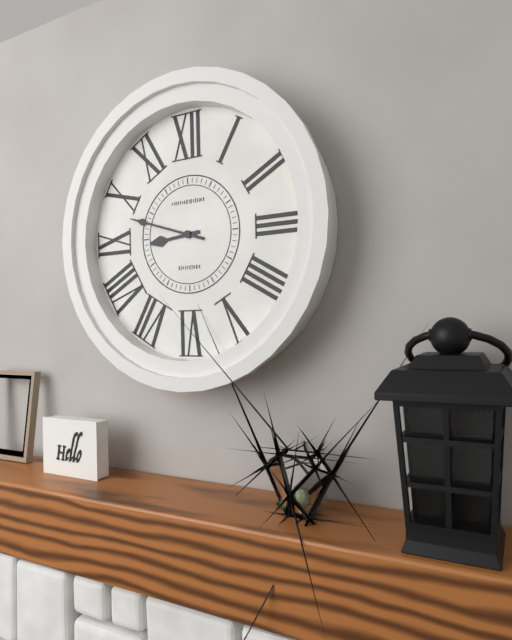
8:48
